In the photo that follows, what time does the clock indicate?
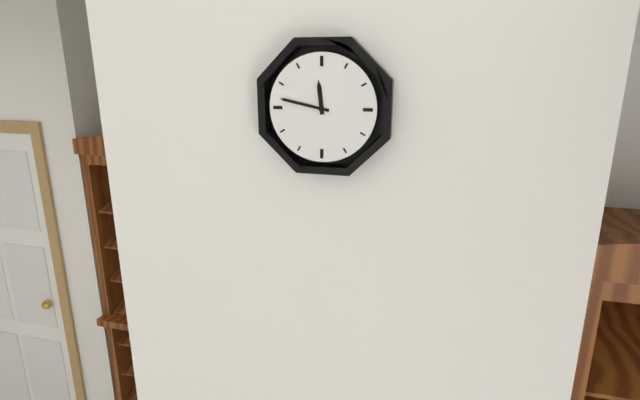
11:47
